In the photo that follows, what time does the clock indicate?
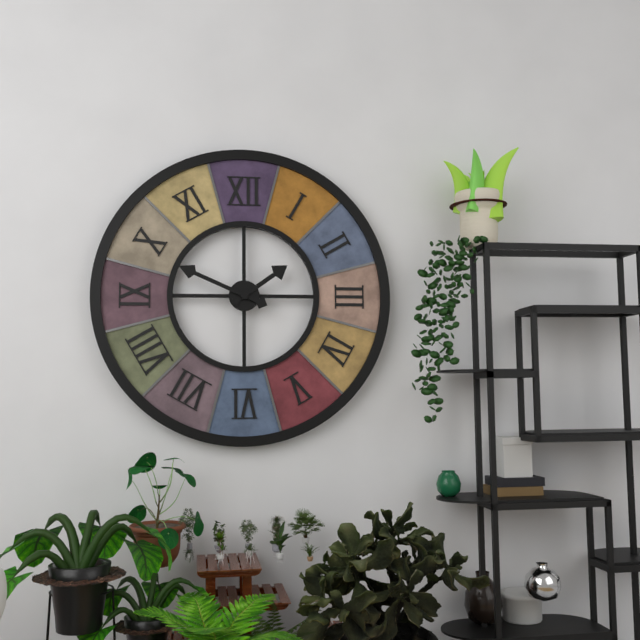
1:49
